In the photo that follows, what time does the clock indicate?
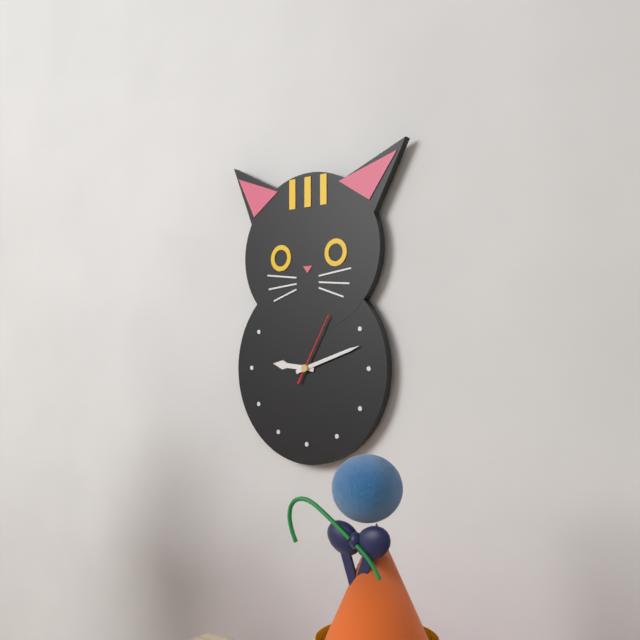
9:12:05
